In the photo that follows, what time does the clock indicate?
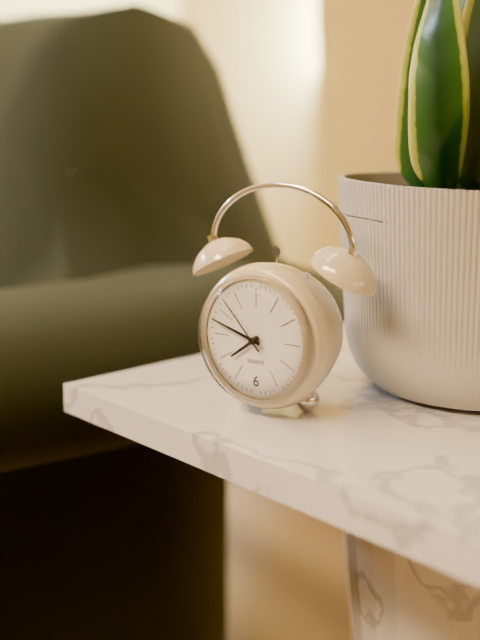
7:48:53
